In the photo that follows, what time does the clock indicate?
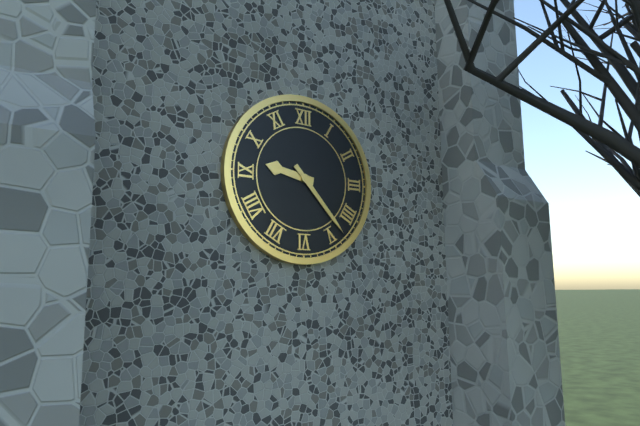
9:23
